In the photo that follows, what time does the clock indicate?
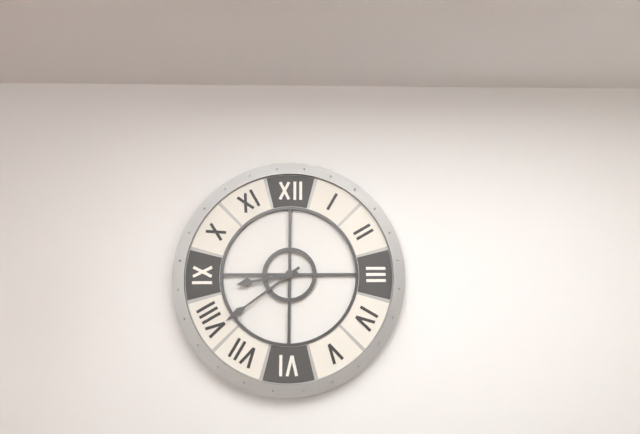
8:39
